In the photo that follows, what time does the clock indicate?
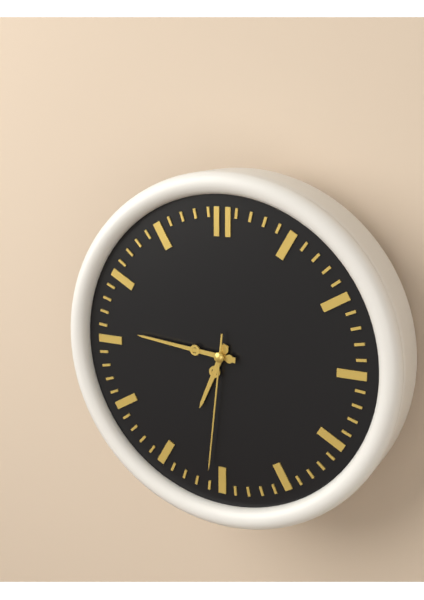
6:46:31
